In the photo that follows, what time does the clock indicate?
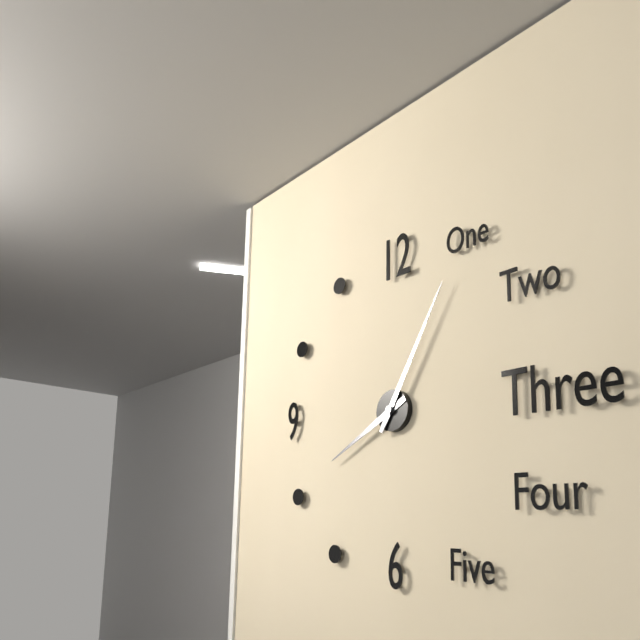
8:05
